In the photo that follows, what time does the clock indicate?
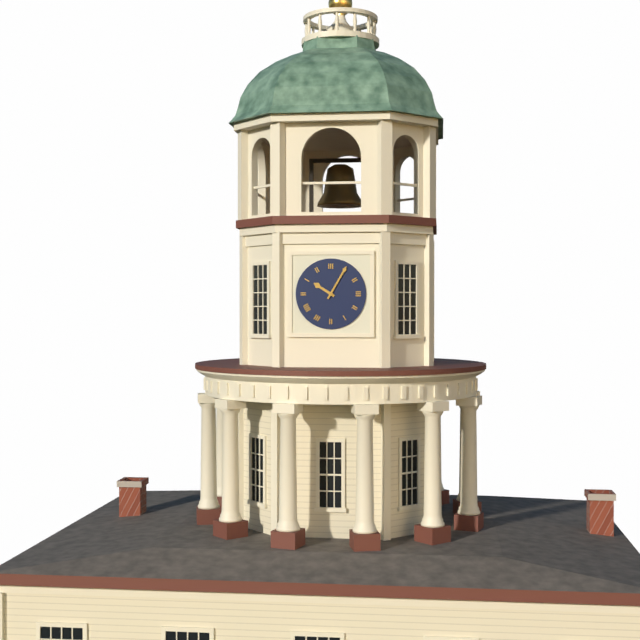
10:05
